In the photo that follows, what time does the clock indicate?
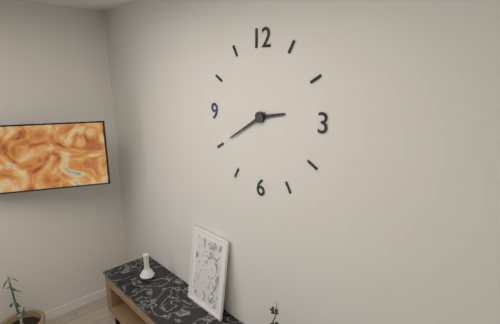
2:40
